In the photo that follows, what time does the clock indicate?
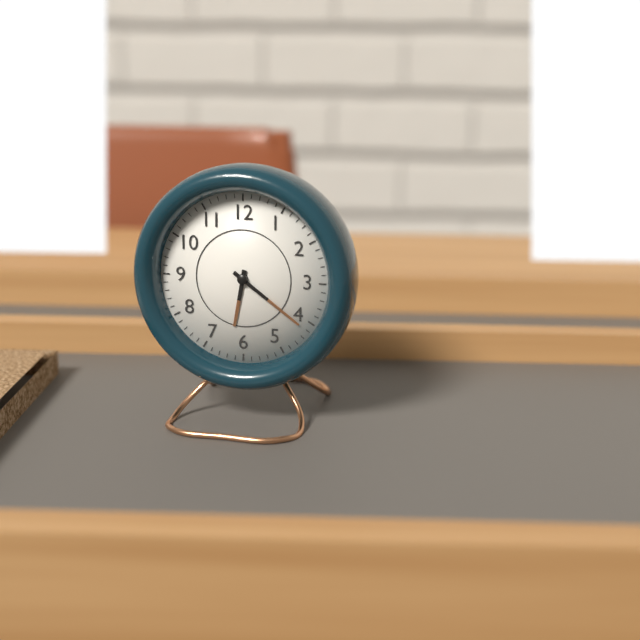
6:21
